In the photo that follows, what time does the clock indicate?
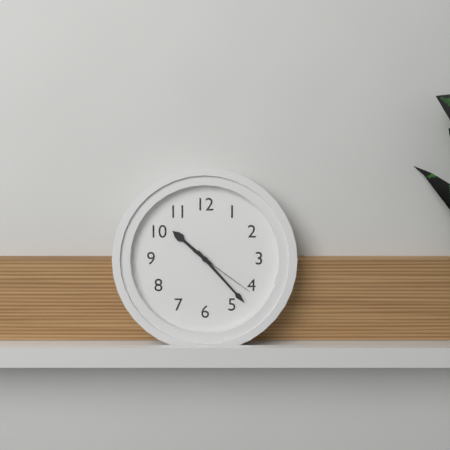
10:23:21
